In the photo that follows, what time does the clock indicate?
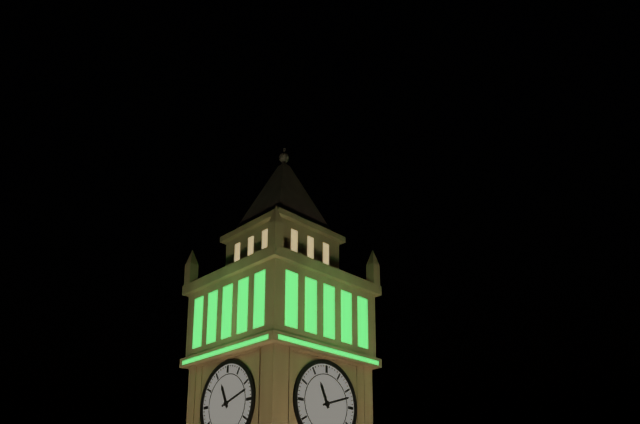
11:12
